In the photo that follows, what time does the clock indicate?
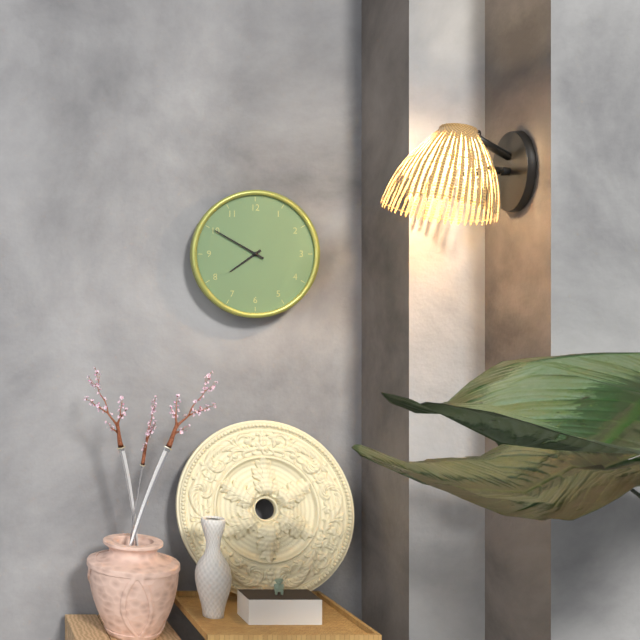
7:50
